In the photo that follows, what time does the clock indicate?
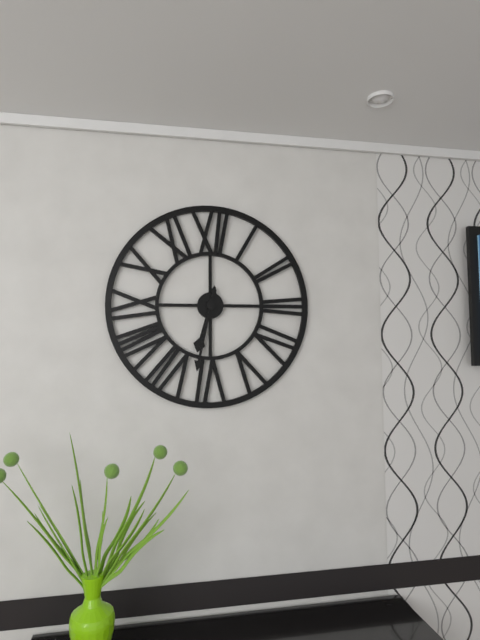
6:32
